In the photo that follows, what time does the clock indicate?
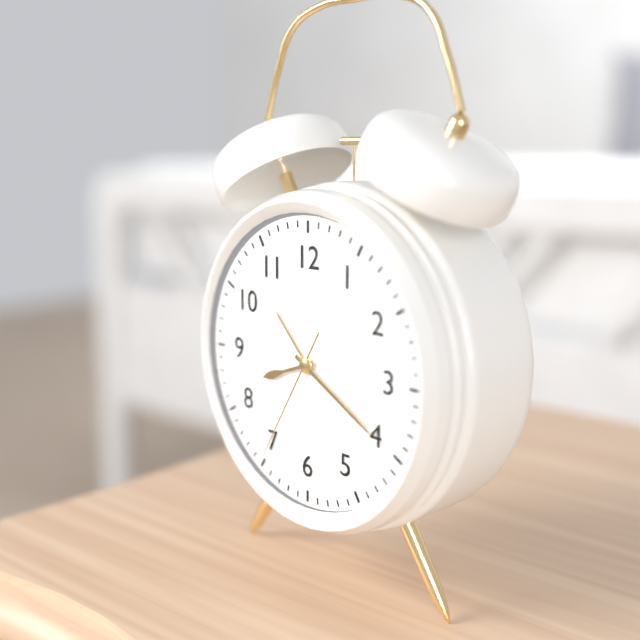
8:20:35
